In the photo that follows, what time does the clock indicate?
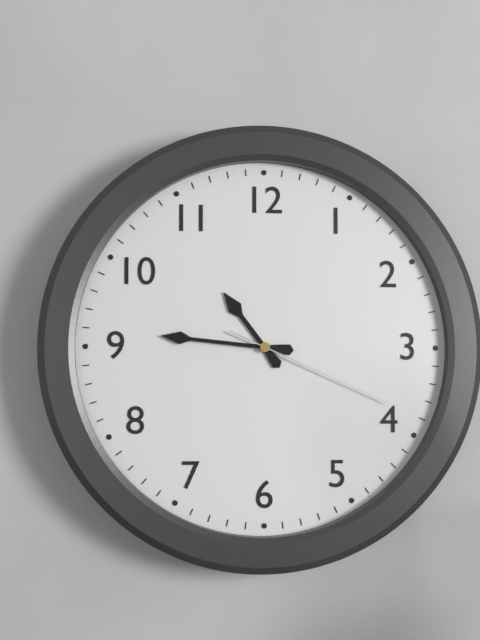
10:46:19
